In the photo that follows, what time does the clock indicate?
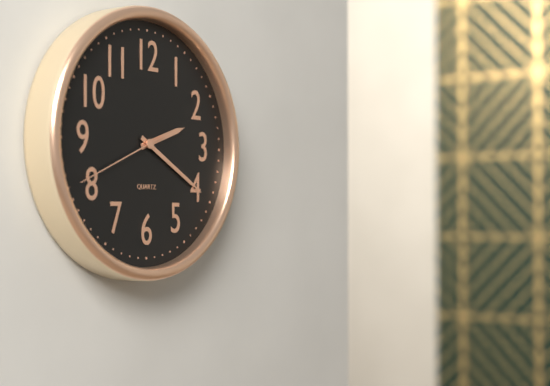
2:20:41
